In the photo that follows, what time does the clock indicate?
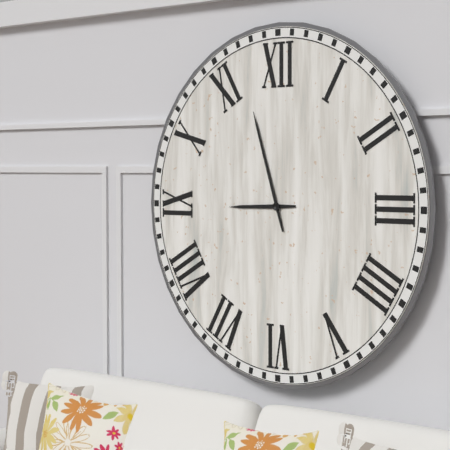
8:57
